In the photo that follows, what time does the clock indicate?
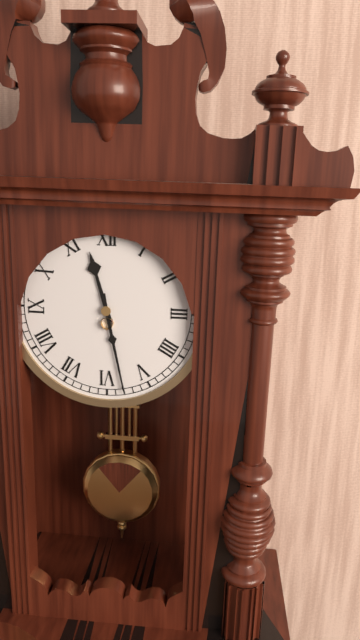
11:28
